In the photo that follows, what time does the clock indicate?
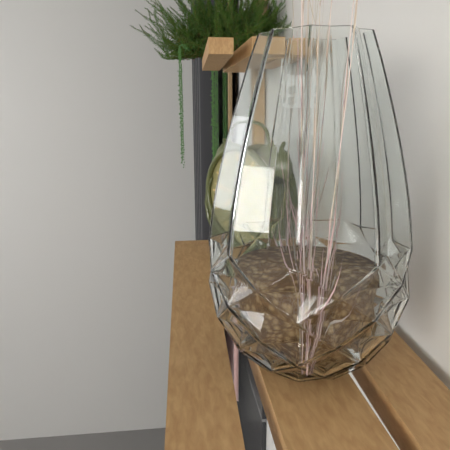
7:47
